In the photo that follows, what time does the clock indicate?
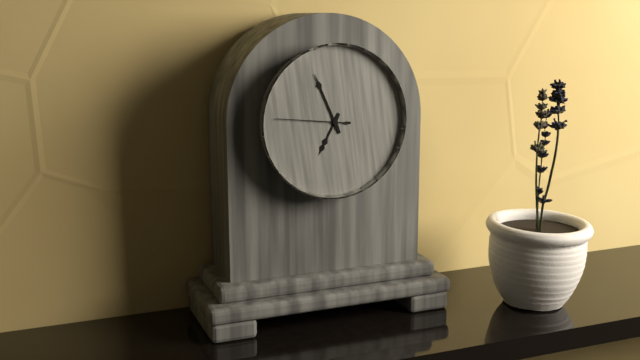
6:56:46
